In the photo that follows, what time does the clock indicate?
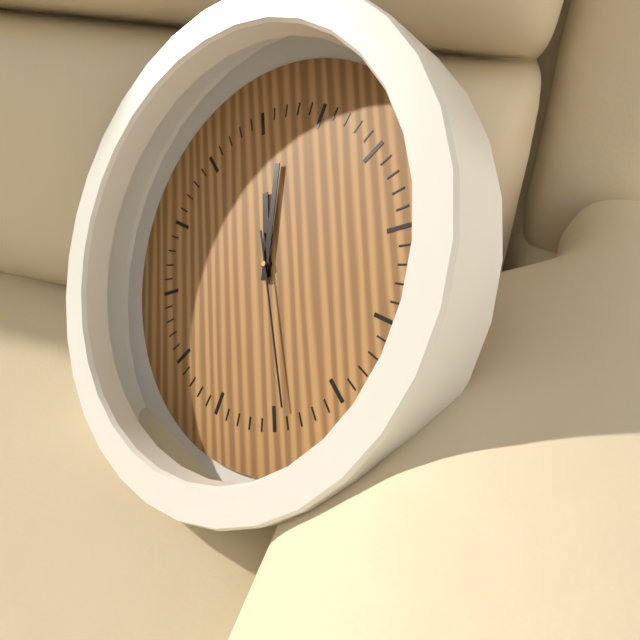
12:02:29
